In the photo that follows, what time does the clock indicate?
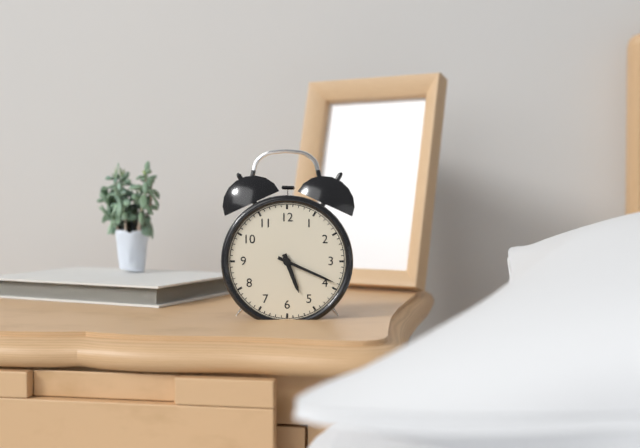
5:19
